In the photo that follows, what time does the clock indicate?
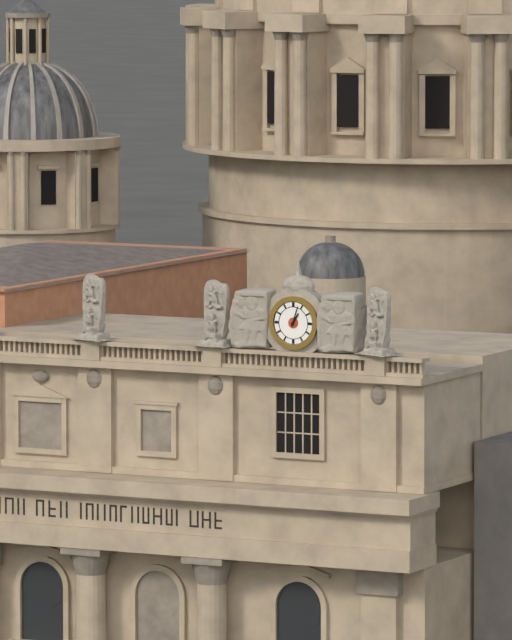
1:03
